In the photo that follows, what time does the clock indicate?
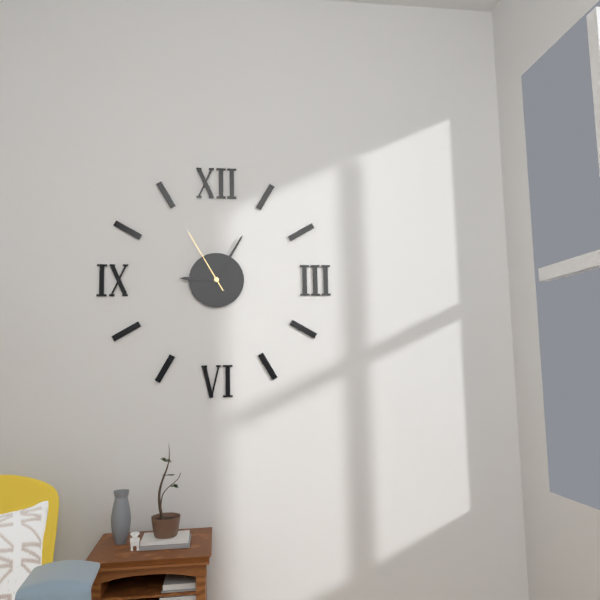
9:05:55
